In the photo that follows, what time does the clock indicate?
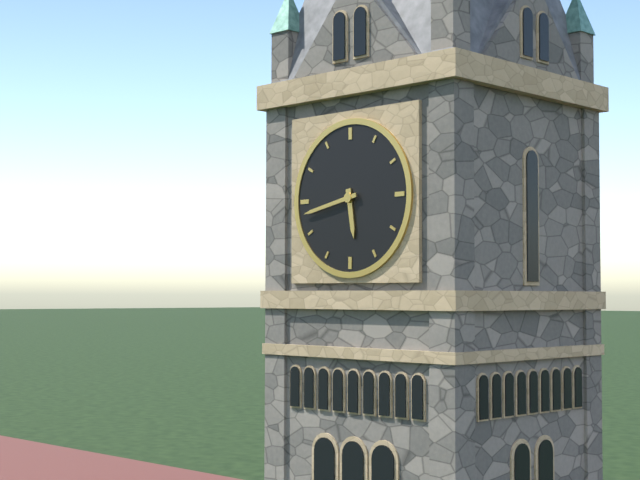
5:43
